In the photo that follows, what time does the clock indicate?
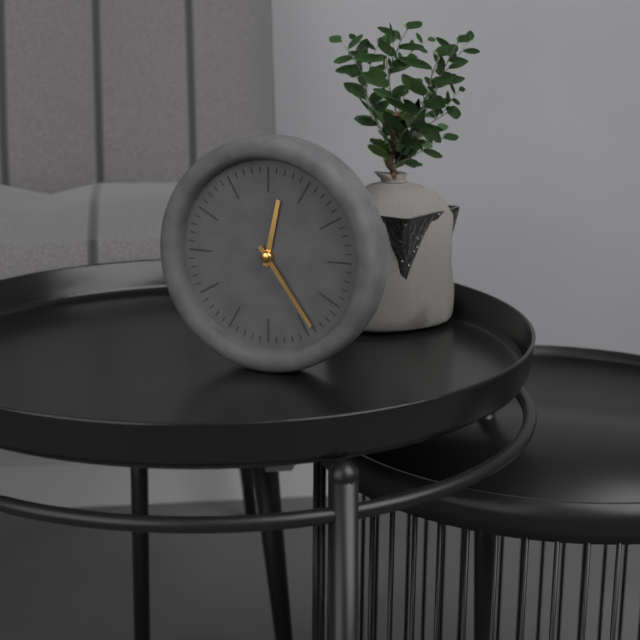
12:24
